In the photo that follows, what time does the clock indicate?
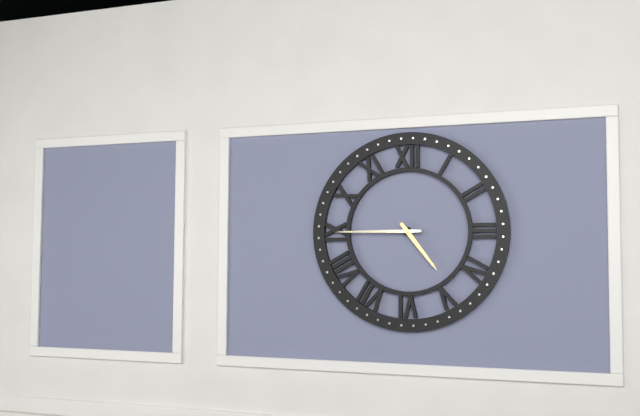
4:45
